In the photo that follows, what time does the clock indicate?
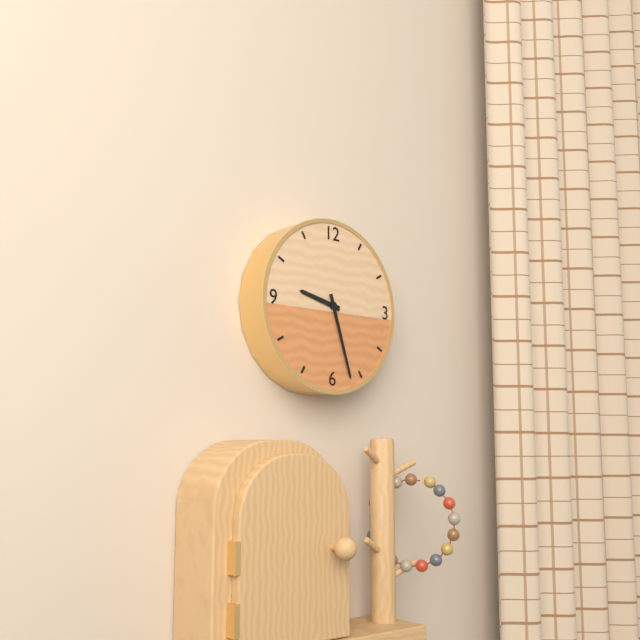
9:27
